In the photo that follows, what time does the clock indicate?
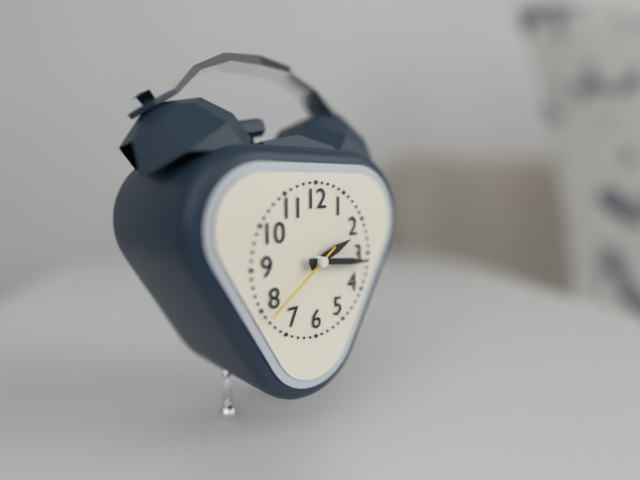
2:16:39
